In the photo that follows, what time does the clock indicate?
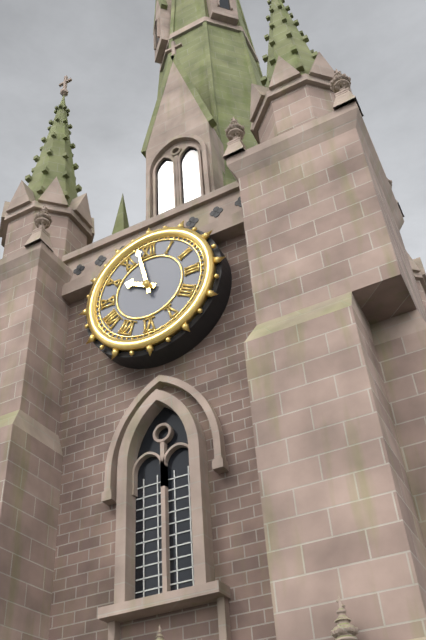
9:58
